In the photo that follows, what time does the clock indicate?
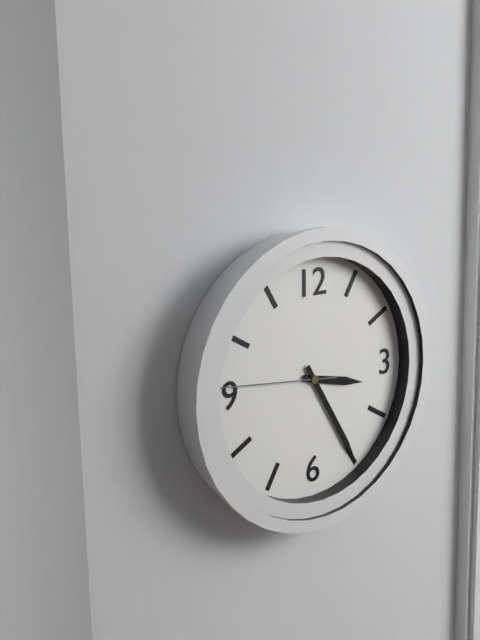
3:25:46
